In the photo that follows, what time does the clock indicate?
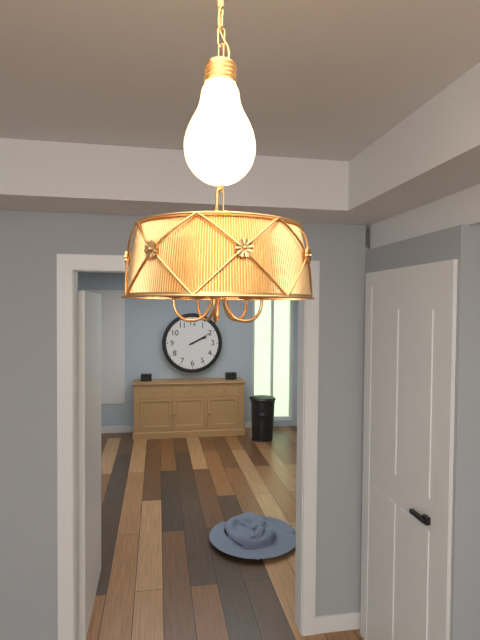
2:10
